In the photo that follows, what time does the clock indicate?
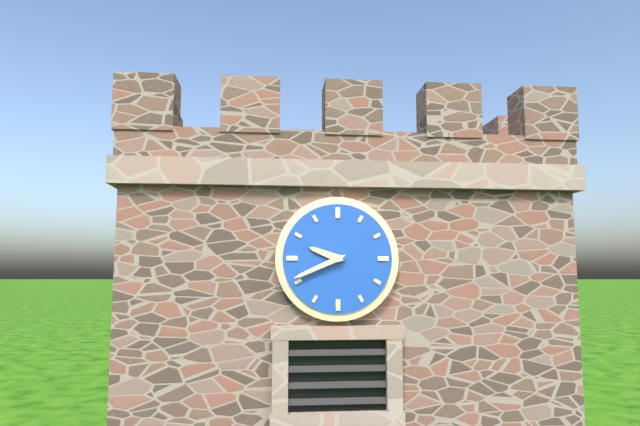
9:41
